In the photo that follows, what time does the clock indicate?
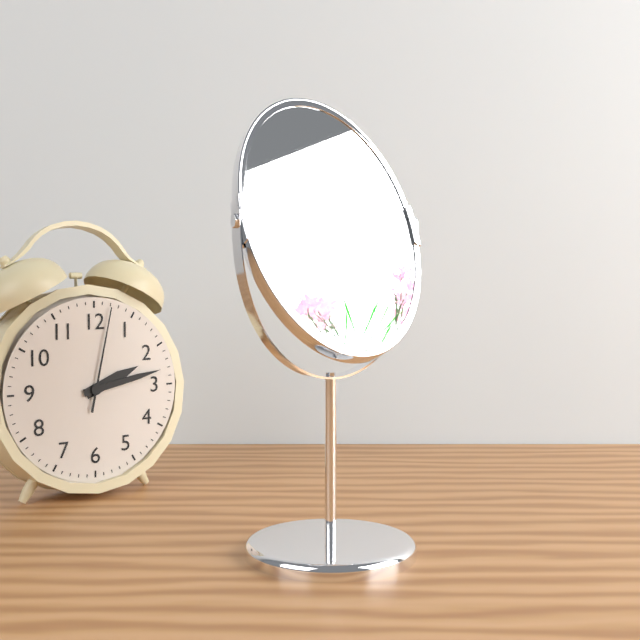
2:13:02
